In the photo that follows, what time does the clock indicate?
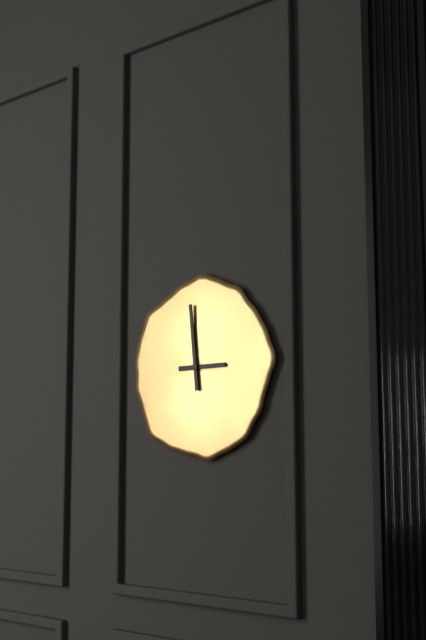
2:59
